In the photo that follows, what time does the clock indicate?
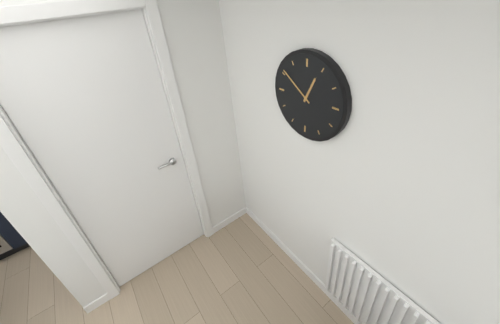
12:51
